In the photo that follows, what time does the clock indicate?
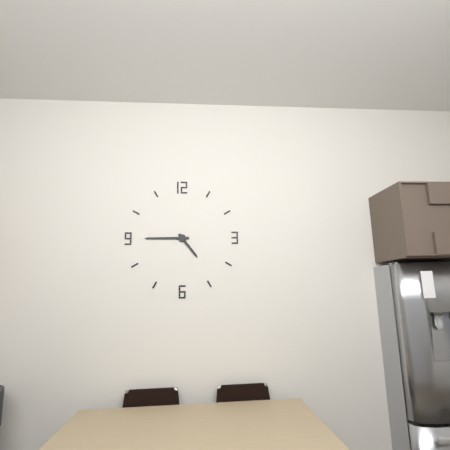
4:45
